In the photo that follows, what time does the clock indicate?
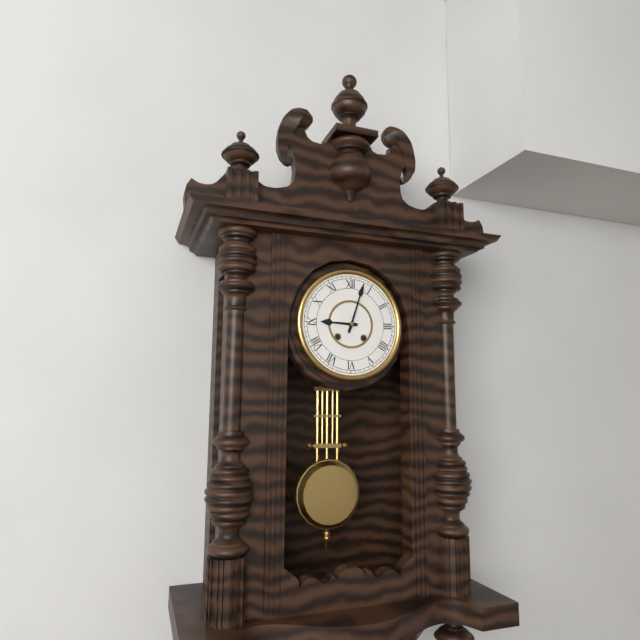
9:03
